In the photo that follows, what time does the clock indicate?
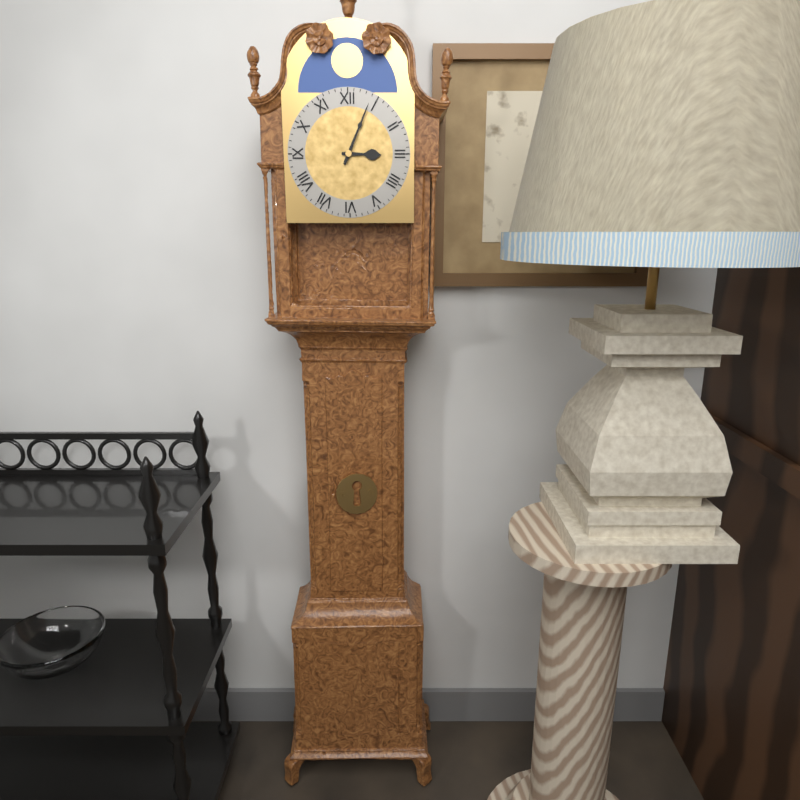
3:04
